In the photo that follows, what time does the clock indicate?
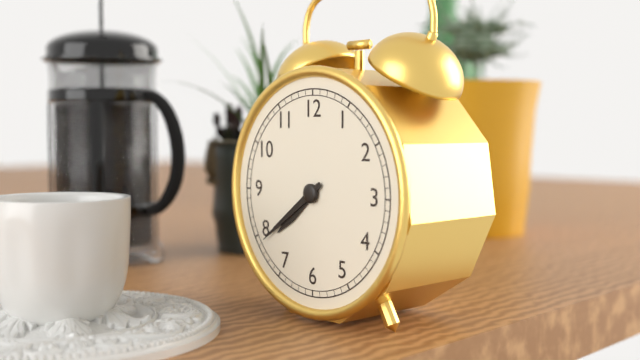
7:39
